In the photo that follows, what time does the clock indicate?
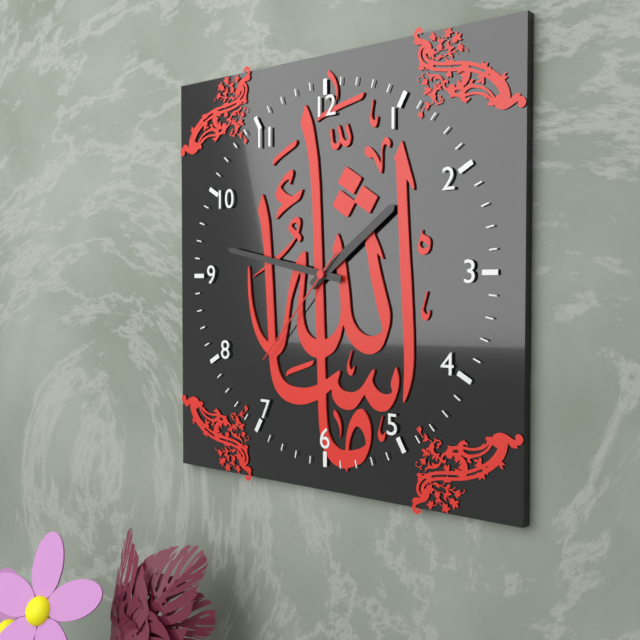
1:47:37
